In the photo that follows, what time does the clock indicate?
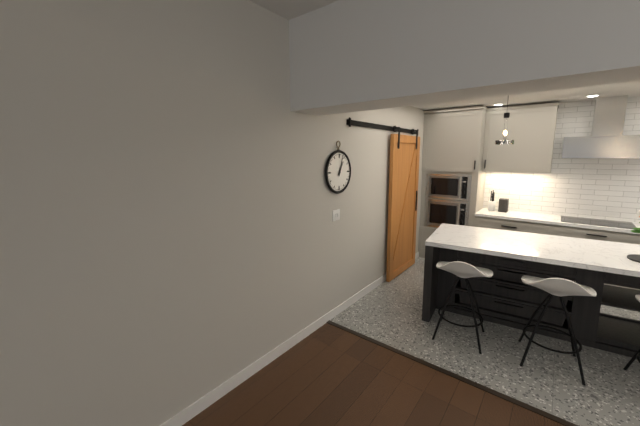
1:03
